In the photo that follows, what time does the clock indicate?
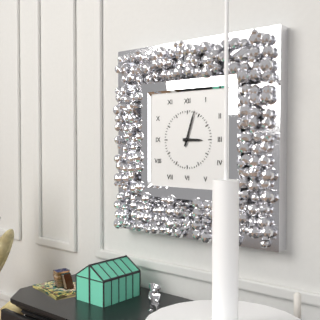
3:03
